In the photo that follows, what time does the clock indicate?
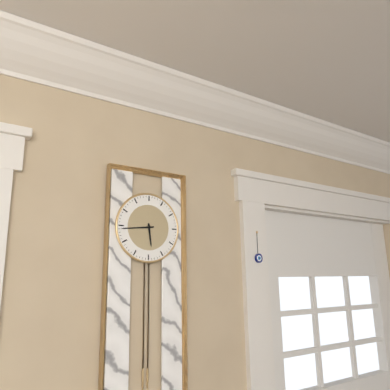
5:44
